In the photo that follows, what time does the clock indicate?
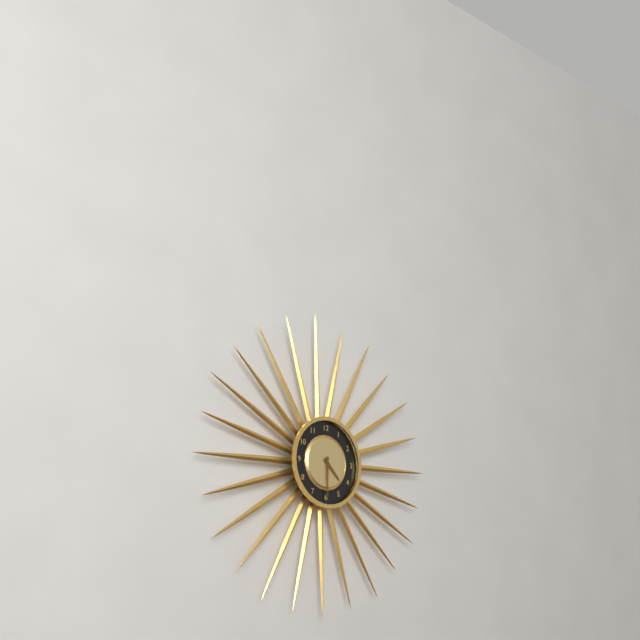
4:30
